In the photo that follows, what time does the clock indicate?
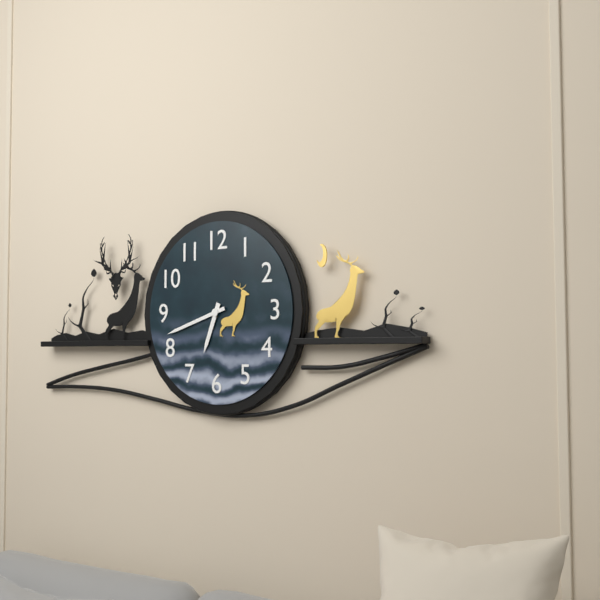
6:42
